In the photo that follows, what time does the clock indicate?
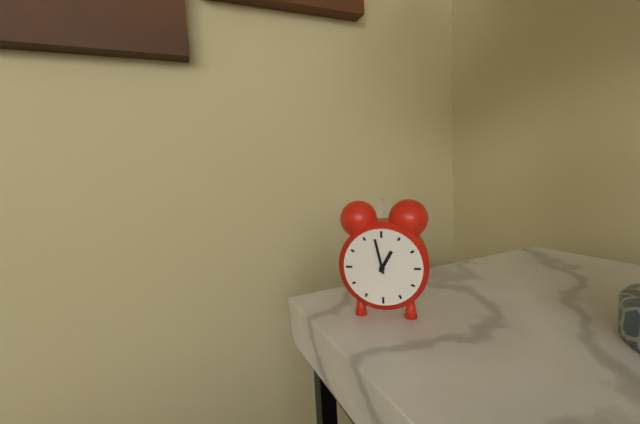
12:58
